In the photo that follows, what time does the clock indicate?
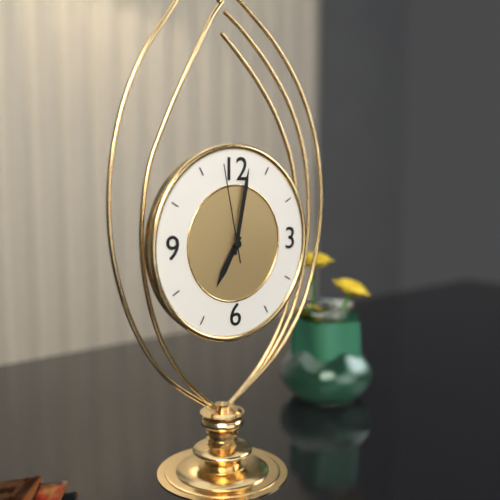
7:02:58
